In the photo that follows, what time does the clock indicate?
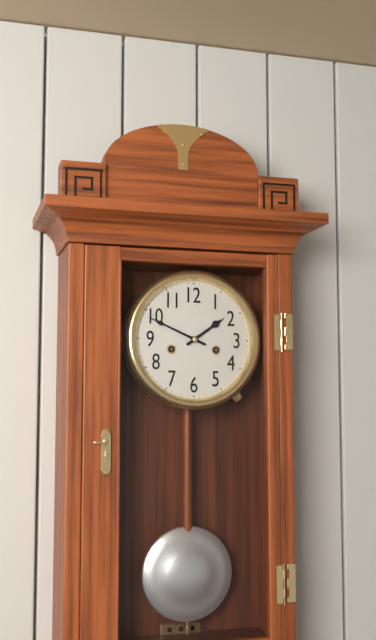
1:49
